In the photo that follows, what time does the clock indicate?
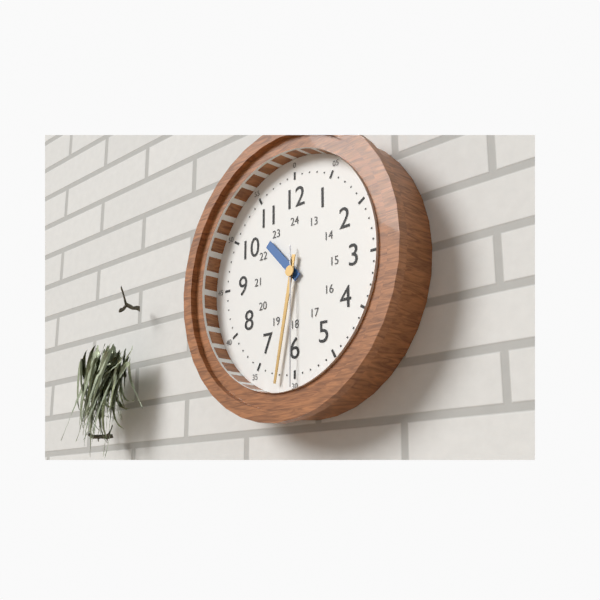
10:32:30
